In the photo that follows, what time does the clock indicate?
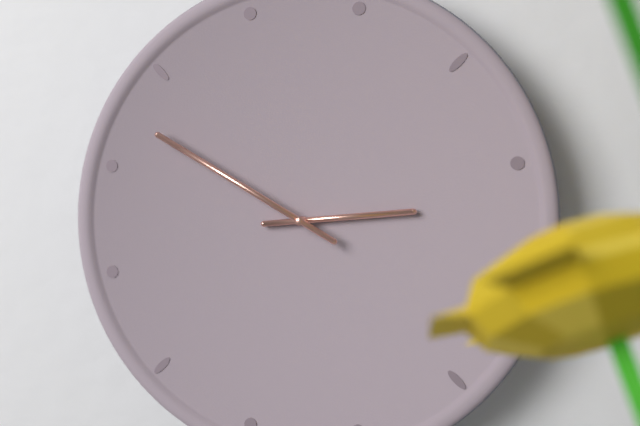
2:50
